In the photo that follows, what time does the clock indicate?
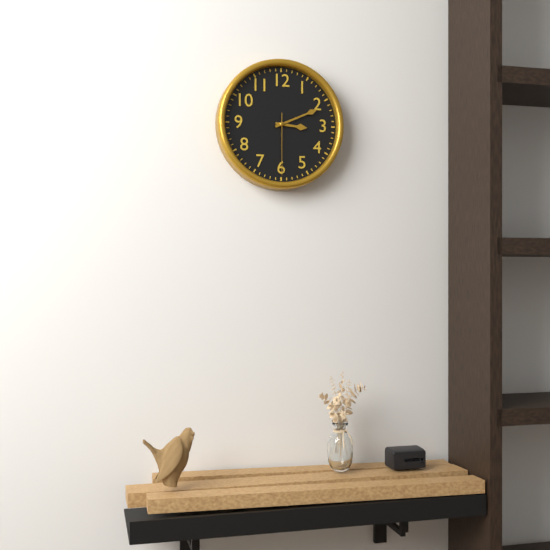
3:11:30
